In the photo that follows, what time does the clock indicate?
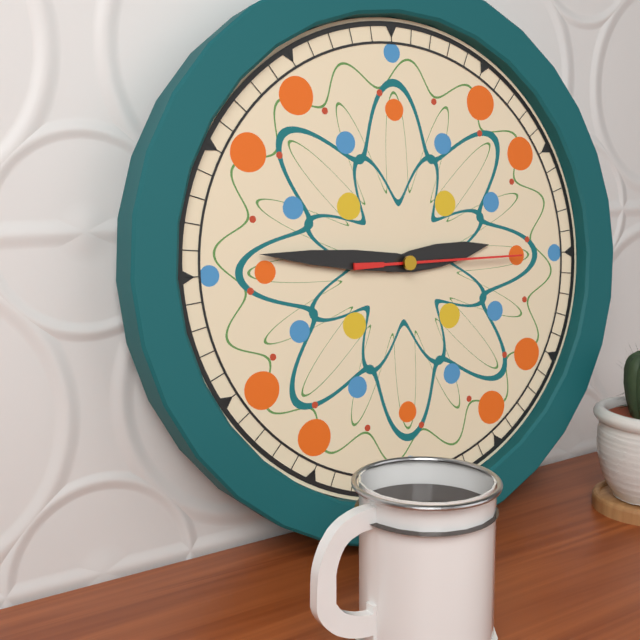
2:46:15
